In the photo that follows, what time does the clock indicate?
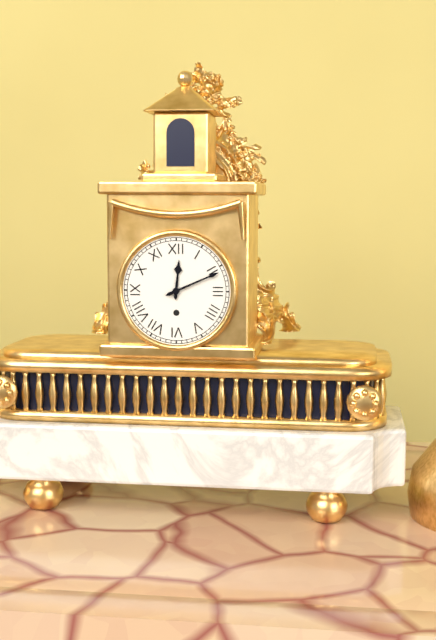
12:11
